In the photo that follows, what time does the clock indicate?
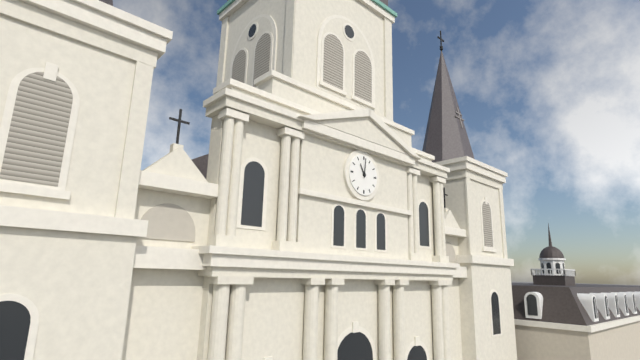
11:01
